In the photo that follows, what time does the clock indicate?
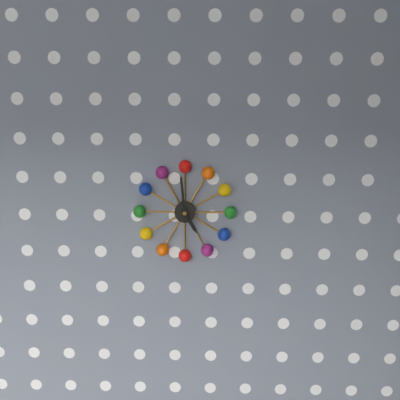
4:59
